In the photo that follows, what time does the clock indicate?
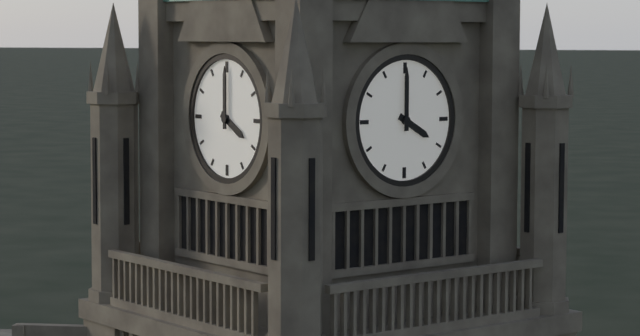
4:00
